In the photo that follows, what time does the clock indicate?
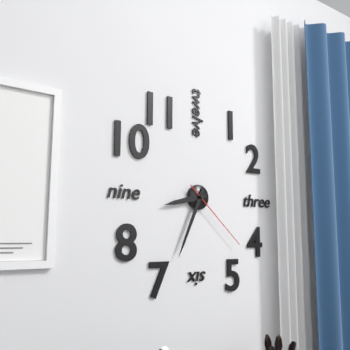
8:34:22
